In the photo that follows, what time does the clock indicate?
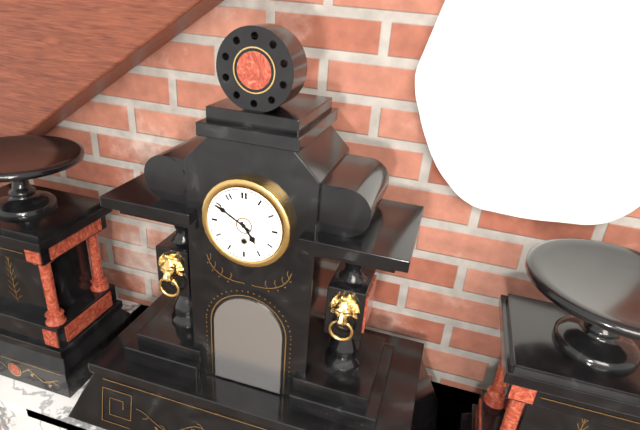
4:50
